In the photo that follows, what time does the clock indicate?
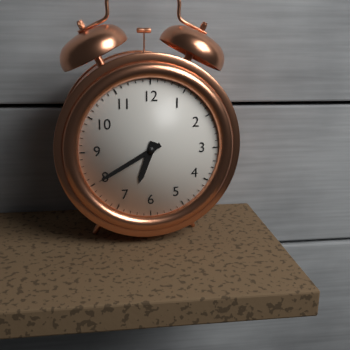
6:40
